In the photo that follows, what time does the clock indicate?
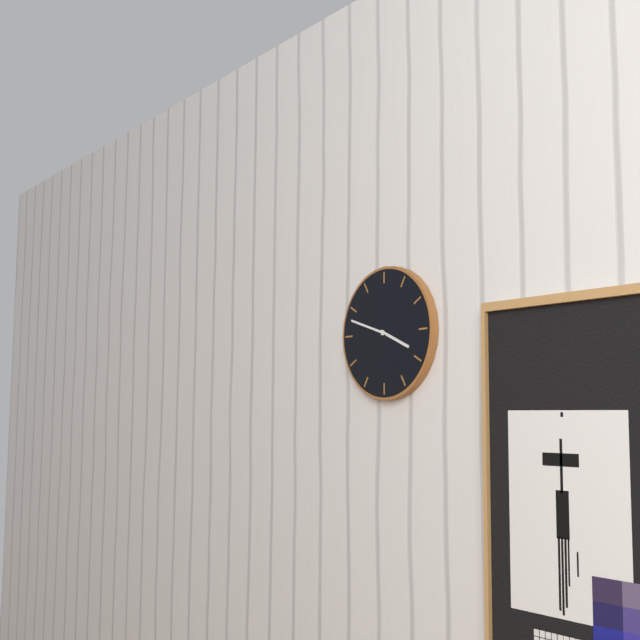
3:48
